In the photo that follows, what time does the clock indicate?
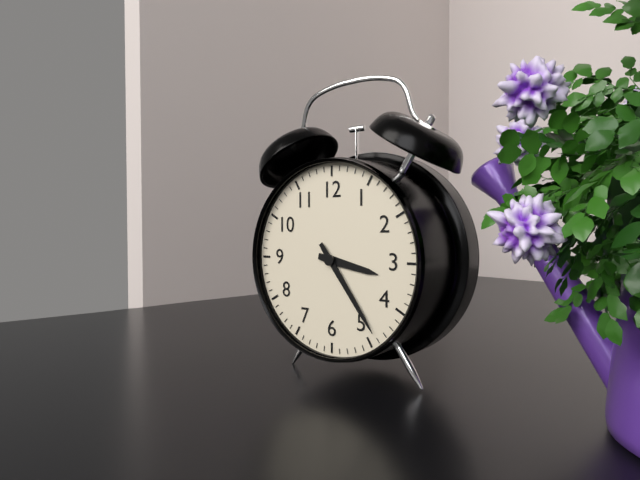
3:24
